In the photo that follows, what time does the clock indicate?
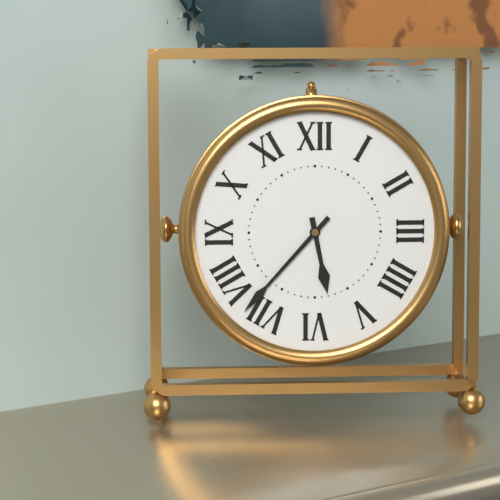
5:37
